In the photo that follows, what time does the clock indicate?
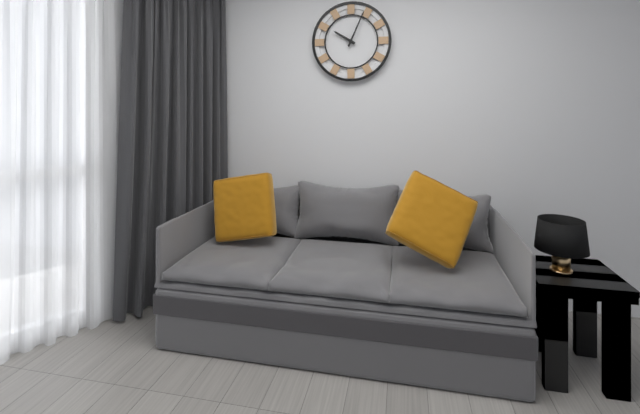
10:04
